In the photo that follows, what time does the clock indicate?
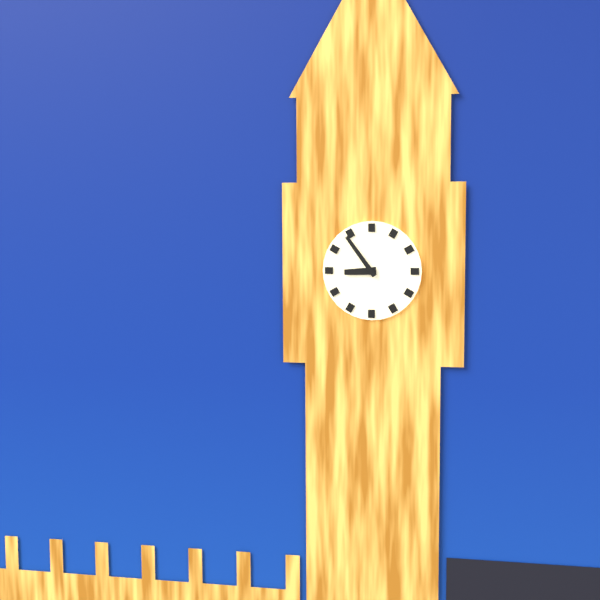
8:54
